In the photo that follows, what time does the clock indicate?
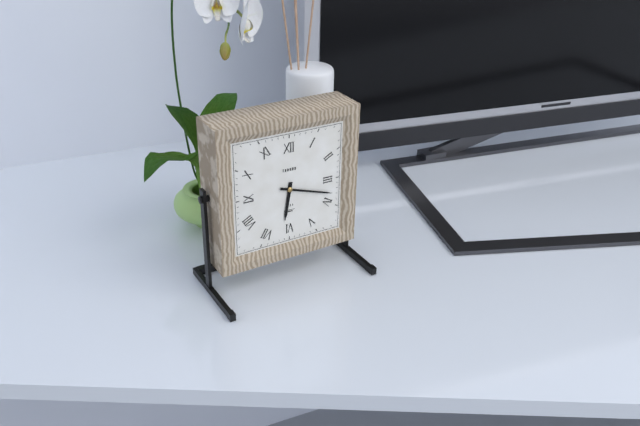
6:18
